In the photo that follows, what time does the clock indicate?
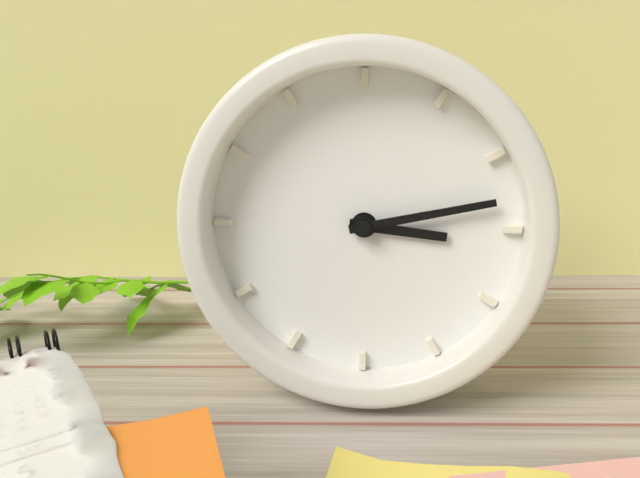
3:13
